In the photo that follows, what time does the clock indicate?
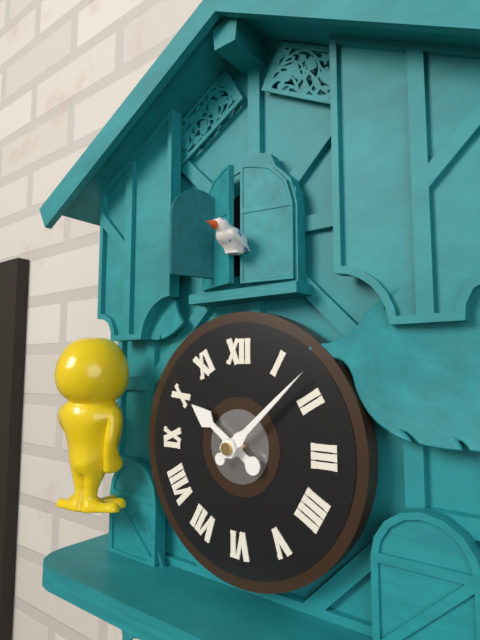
10:08
